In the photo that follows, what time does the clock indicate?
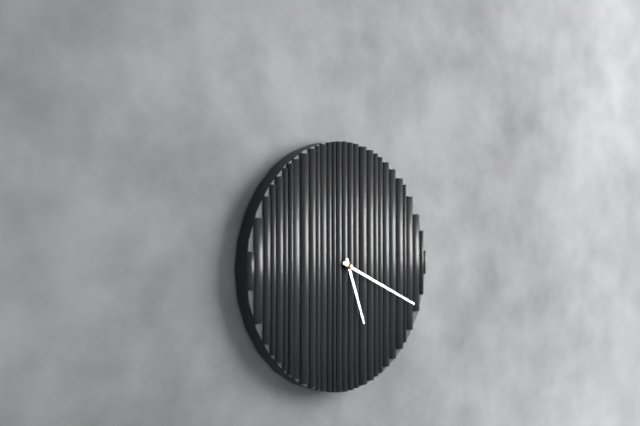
5:19
